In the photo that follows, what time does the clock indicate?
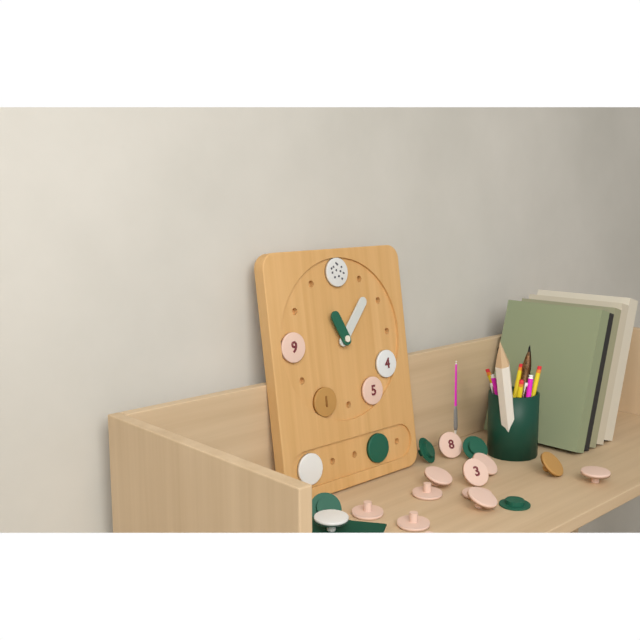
11:07
